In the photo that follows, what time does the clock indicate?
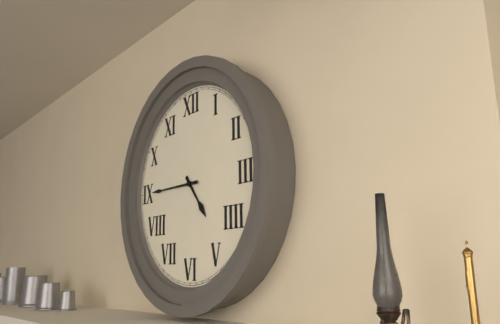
4:45
